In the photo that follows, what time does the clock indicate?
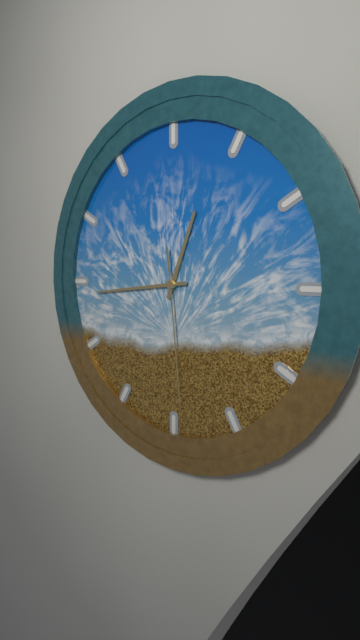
12:44:29
